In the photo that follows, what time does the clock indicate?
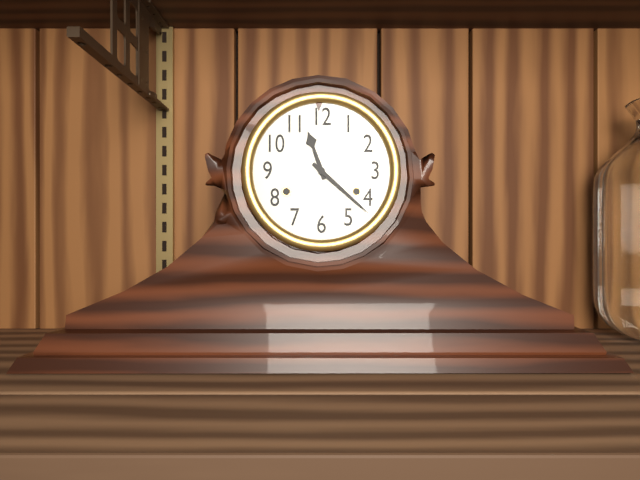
11:22
